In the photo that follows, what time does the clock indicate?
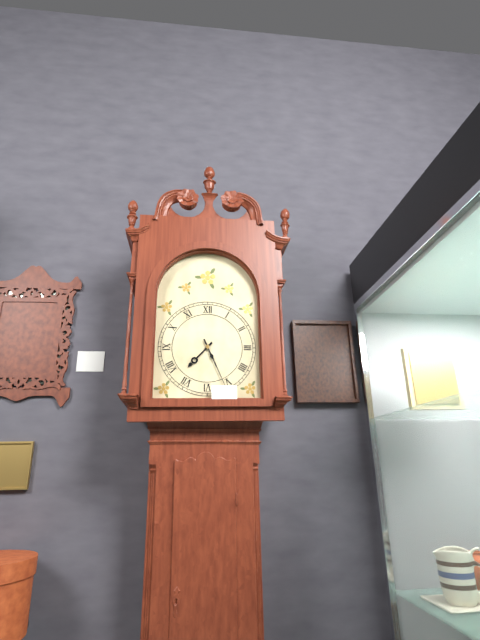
7:26
